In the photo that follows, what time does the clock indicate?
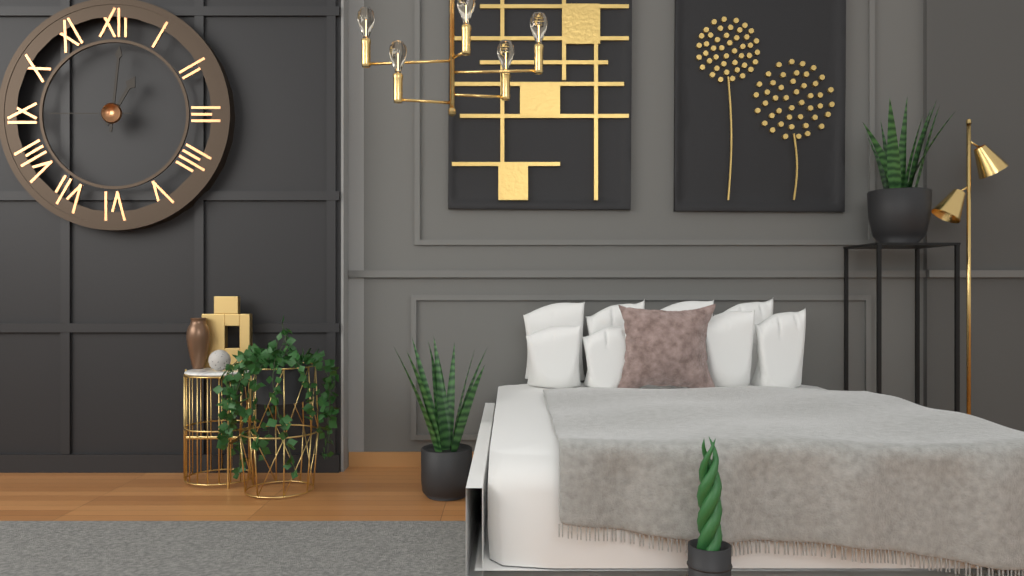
1:01:45
